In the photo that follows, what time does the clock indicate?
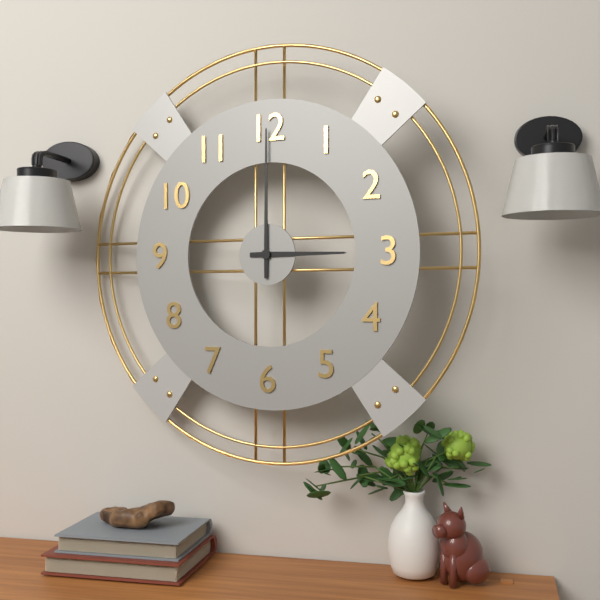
3:00
